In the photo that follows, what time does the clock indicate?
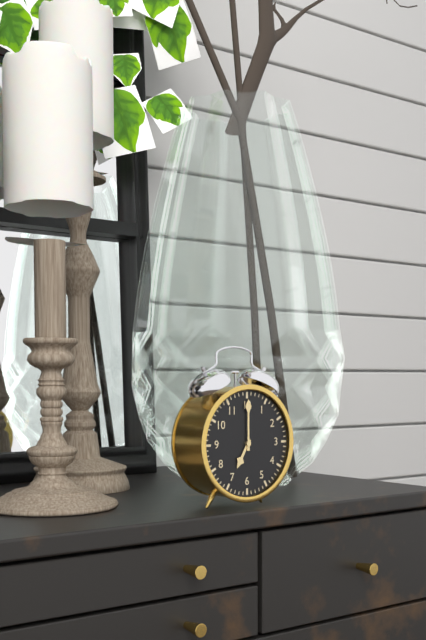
7:00
